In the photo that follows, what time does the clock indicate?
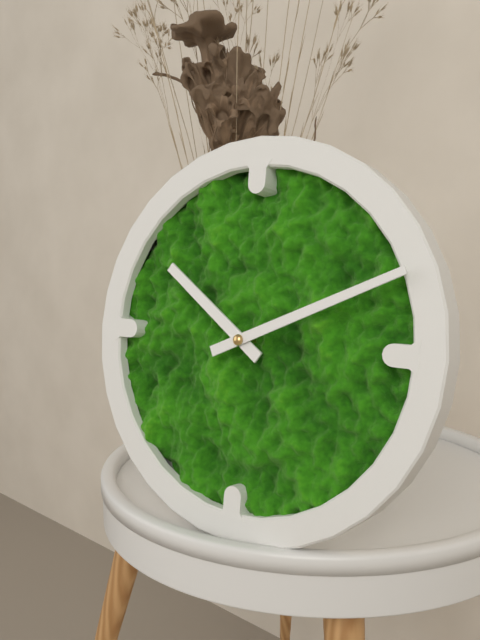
10:11
